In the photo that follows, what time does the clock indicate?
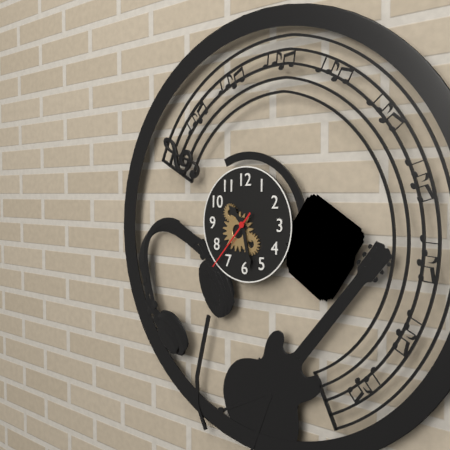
10:28:37
